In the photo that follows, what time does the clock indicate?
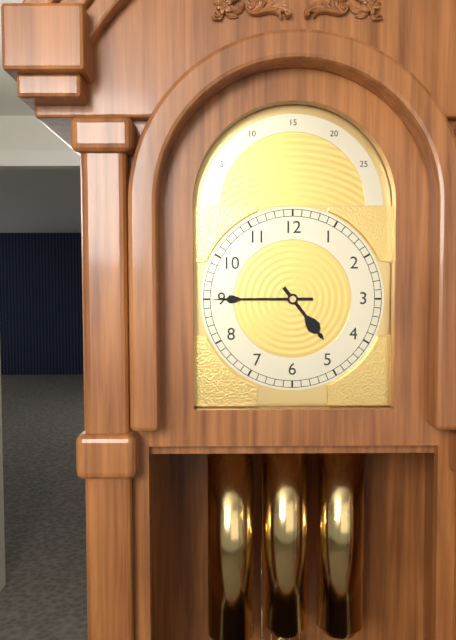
4:45
